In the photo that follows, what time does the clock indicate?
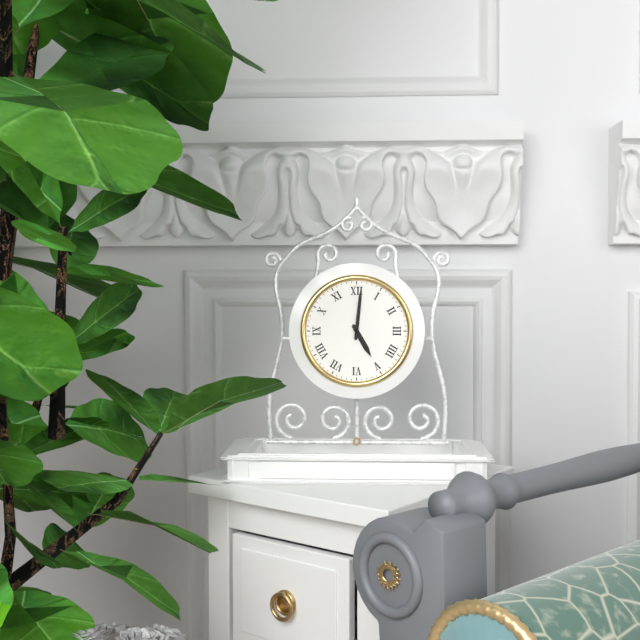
5:01
